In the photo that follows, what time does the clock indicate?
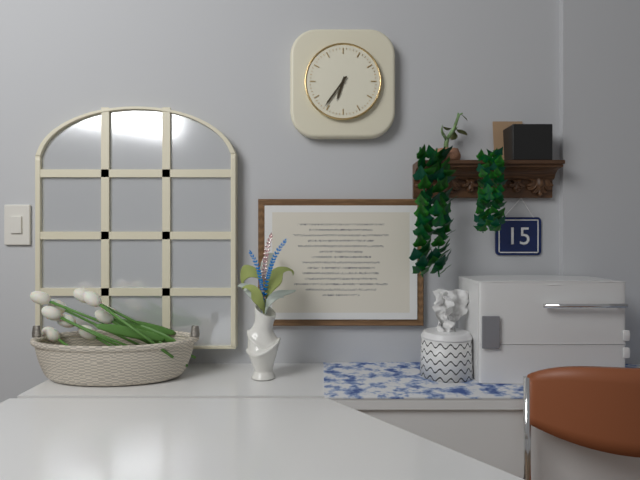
6:36
